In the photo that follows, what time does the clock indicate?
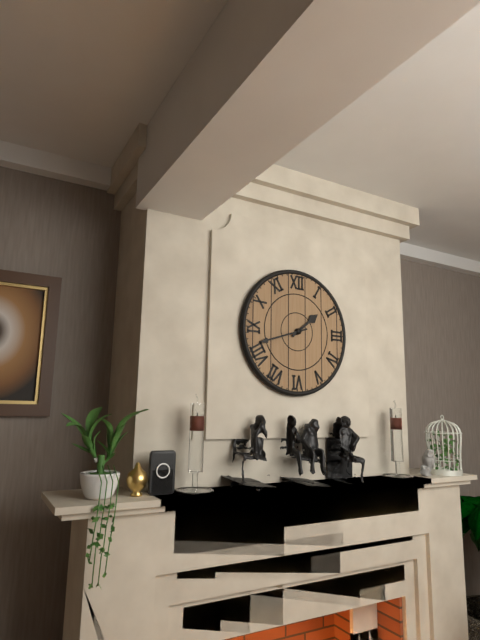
1:42
